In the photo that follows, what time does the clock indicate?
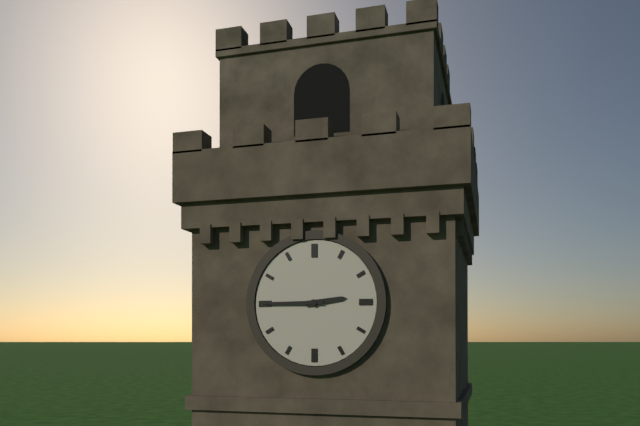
2:45
